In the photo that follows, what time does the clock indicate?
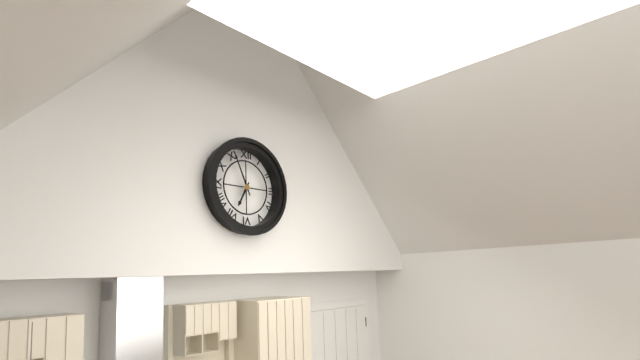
6:56
